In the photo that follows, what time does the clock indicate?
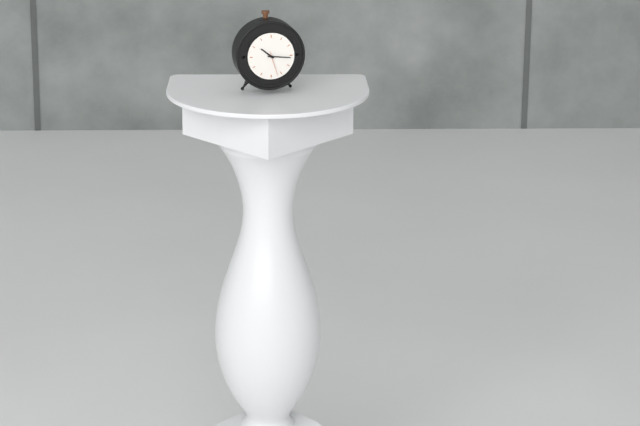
10:16
